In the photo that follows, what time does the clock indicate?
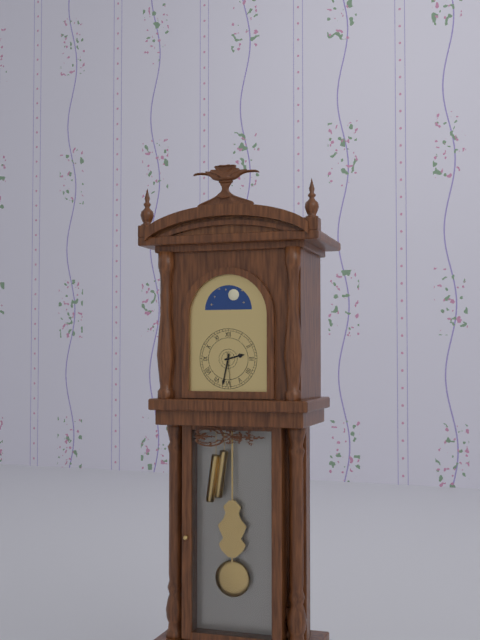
2:32
